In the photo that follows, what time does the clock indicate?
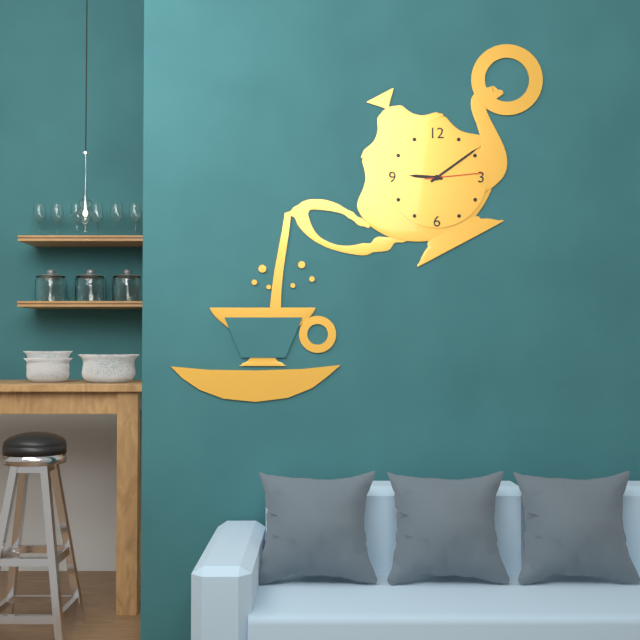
9:09:14
